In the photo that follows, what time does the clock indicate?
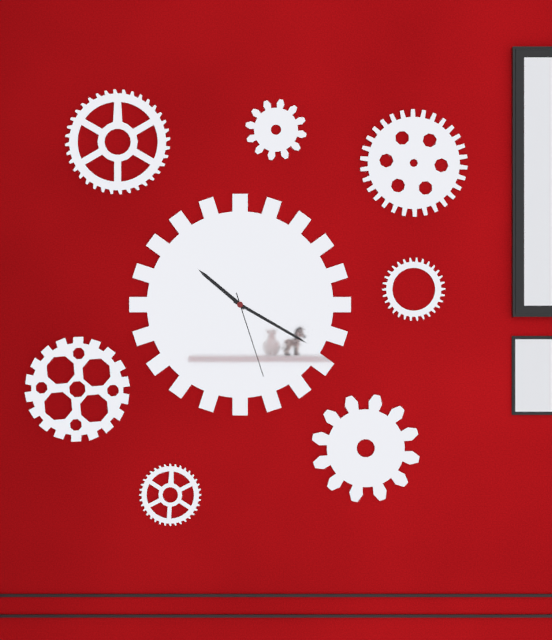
10:20:27
